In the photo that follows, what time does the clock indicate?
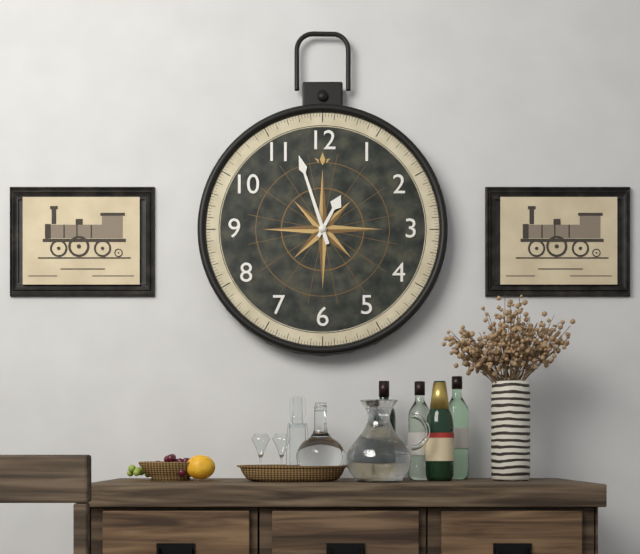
12:57
